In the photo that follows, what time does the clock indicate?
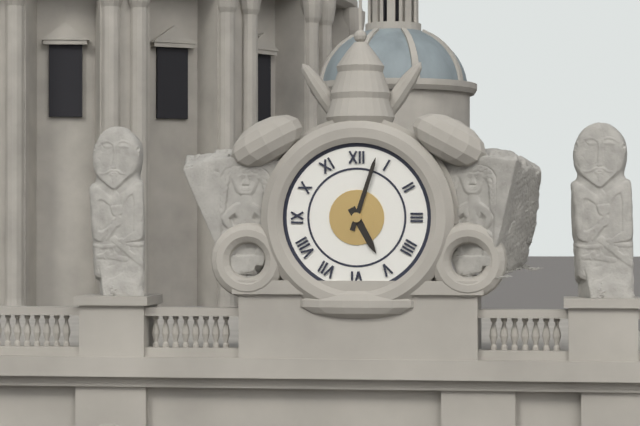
5:03
